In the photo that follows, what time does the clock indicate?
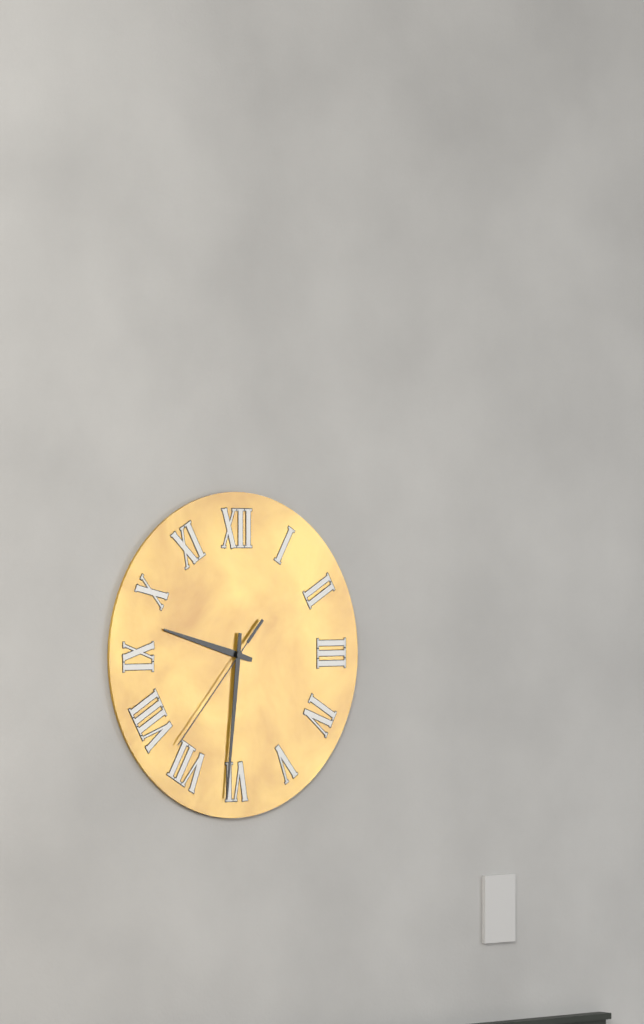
9:31:37
